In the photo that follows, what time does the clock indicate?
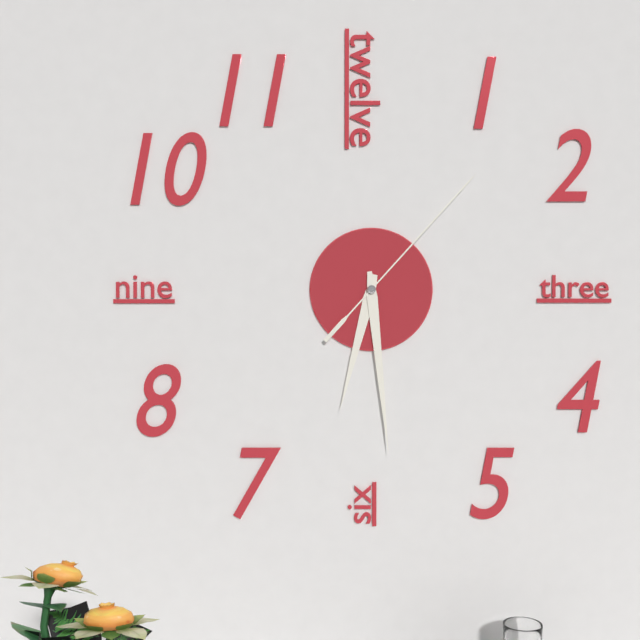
6:29:07
